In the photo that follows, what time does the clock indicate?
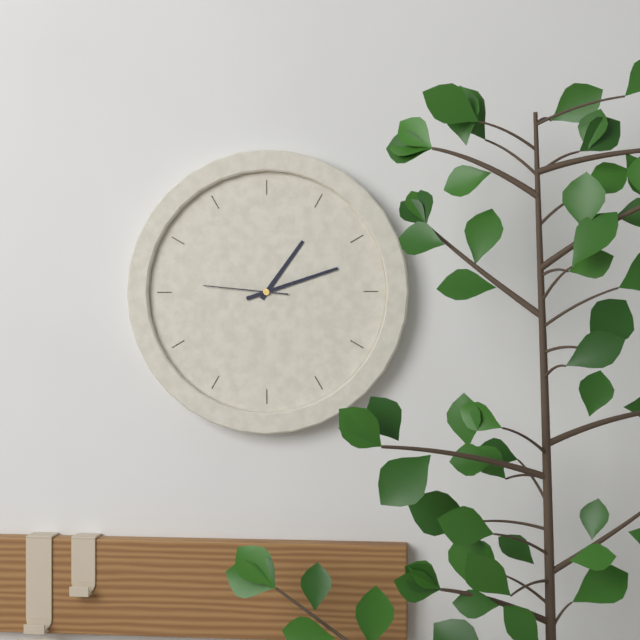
1:12:46
